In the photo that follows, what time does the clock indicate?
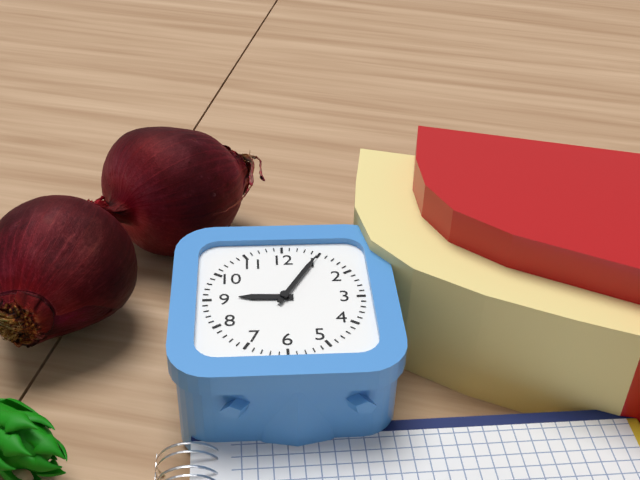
9:05
